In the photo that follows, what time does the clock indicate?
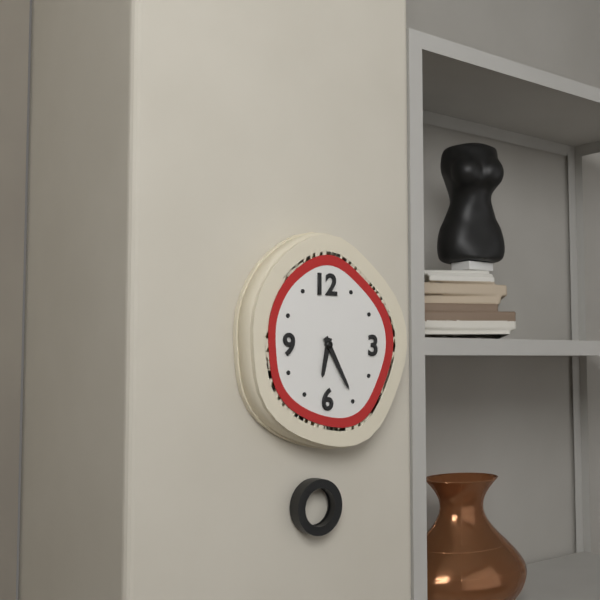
6:25
